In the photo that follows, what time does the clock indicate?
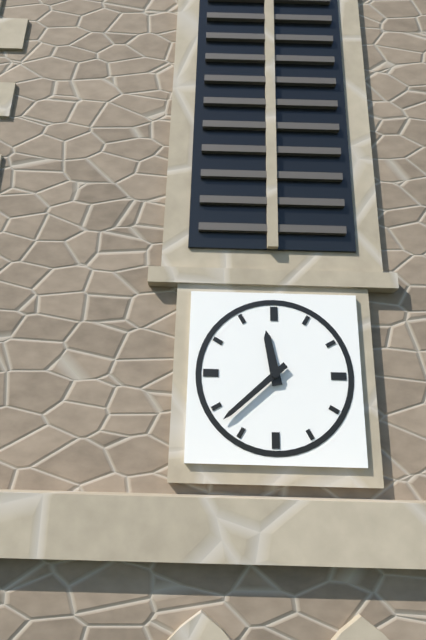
11:38
